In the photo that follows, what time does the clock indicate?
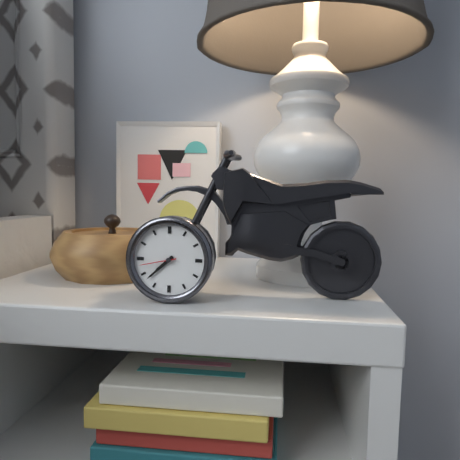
7:38
